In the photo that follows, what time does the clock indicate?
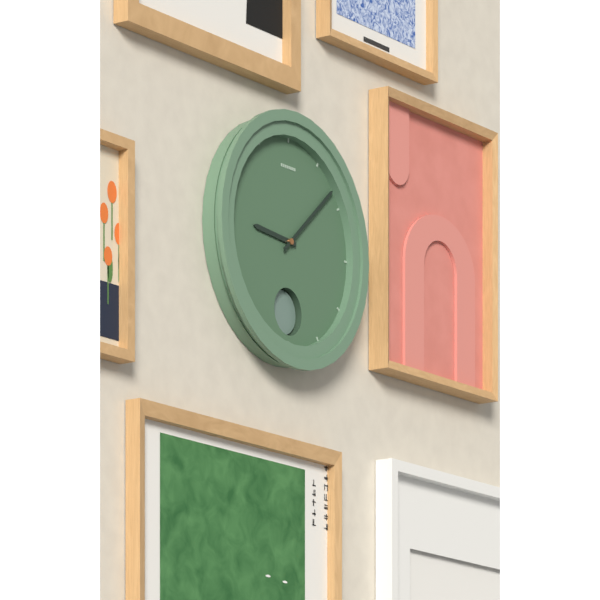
9:08
